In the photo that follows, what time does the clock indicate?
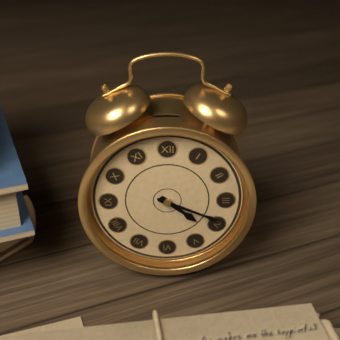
4:19
